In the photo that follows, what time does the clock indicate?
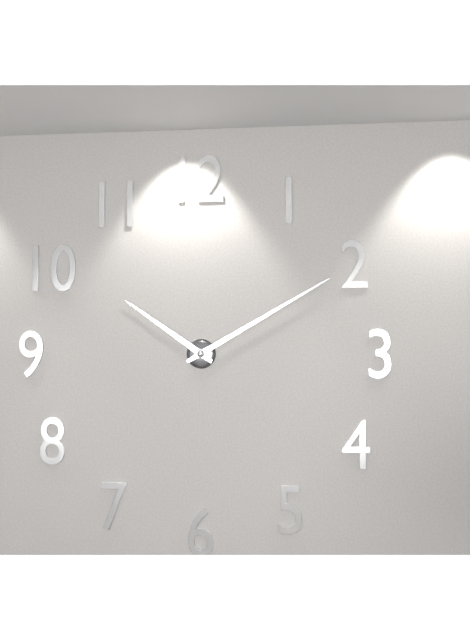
10:10
